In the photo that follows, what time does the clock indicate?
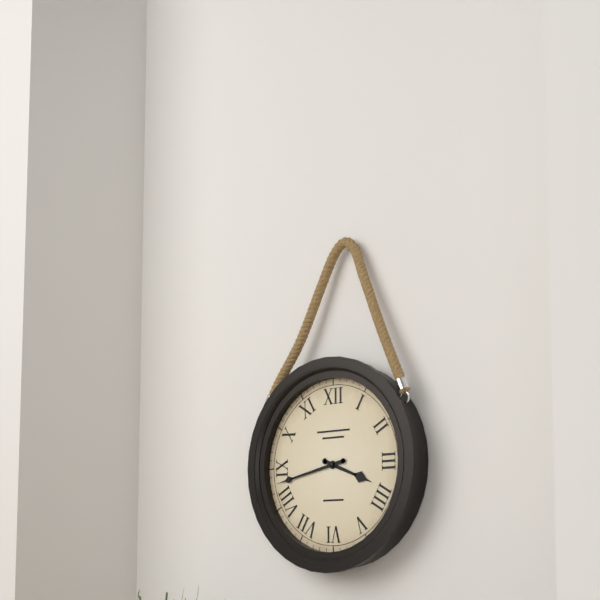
3:43
